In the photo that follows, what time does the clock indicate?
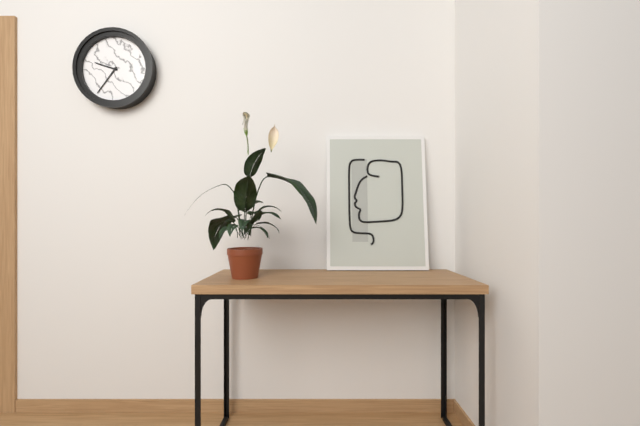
9:36
